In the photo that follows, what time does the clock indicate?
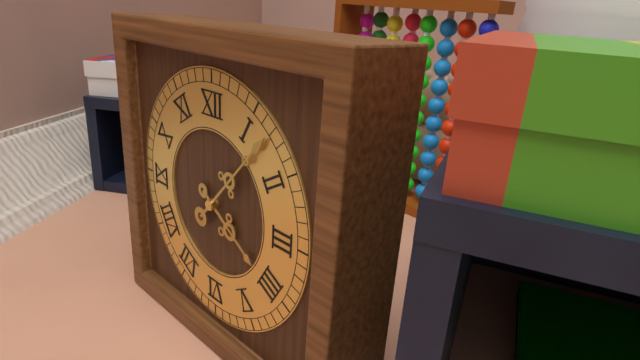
4:07
